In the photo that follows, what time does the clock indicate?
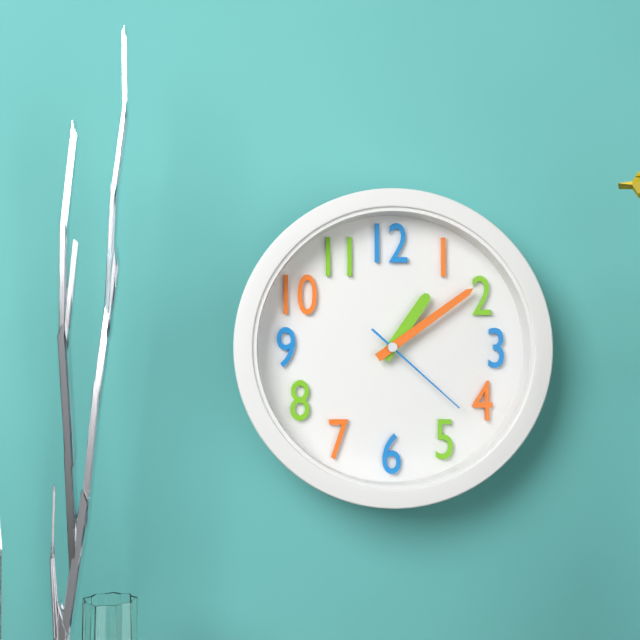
1:09:22
